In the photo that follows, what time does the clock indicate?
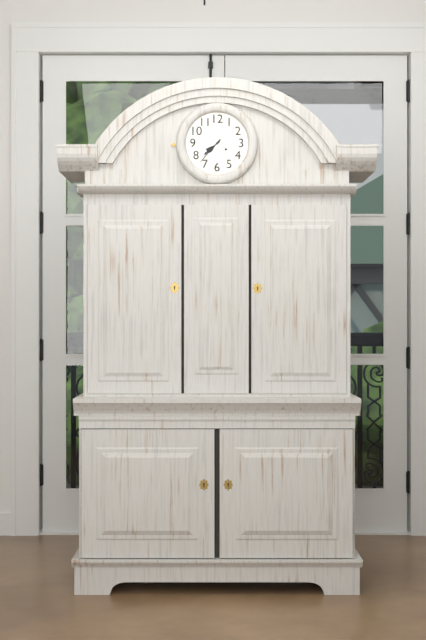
7:37
